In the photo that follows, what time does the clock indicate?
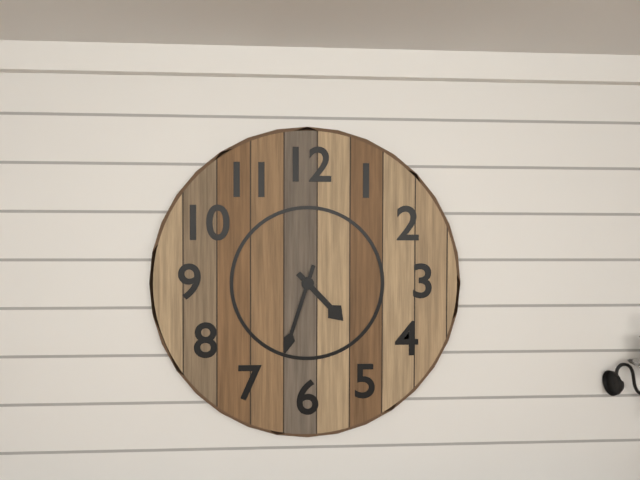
4:33
